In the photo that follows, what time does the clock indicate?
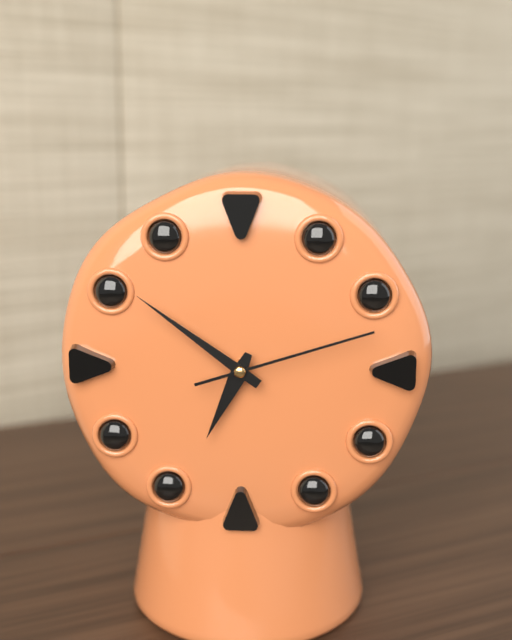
6:51:12
